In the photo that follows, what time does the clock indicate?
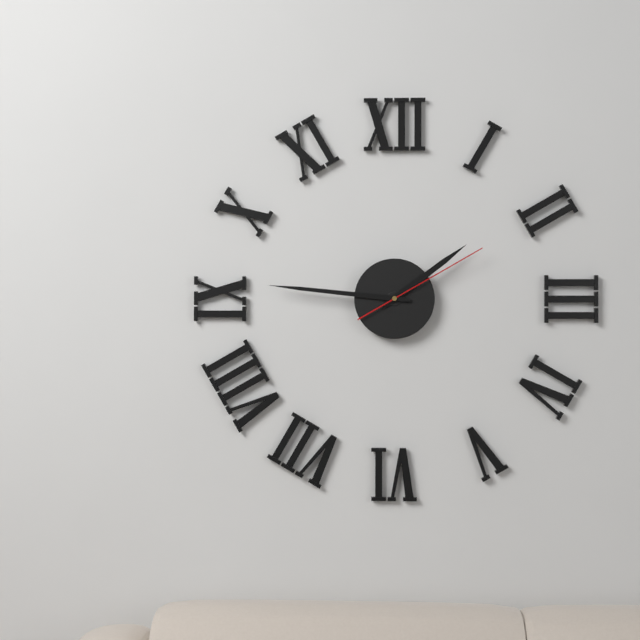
1:46:10
